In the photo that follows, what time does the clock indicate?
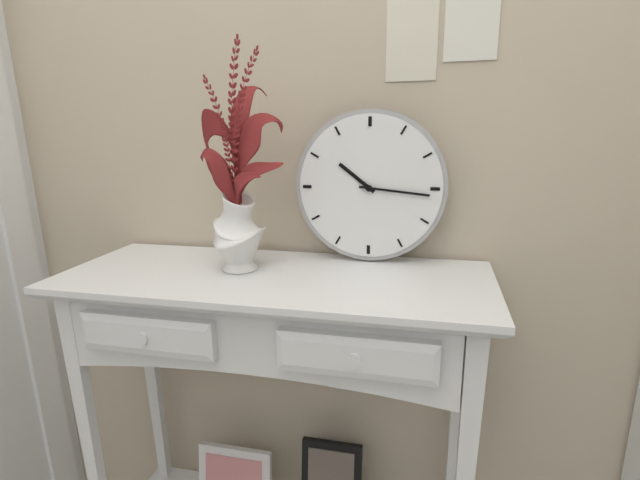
10:16
